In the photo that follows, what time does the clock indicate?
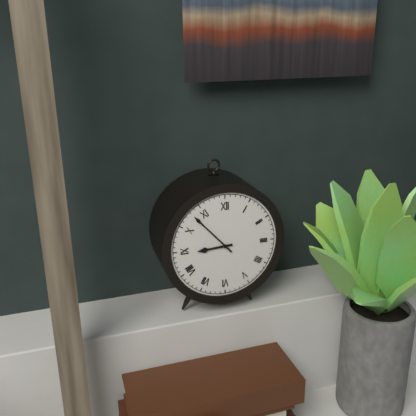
8:53
